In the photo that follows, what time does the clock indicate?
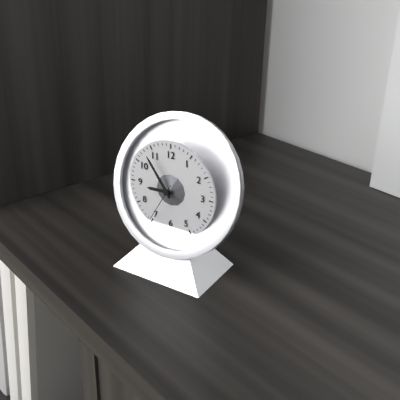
8:54
